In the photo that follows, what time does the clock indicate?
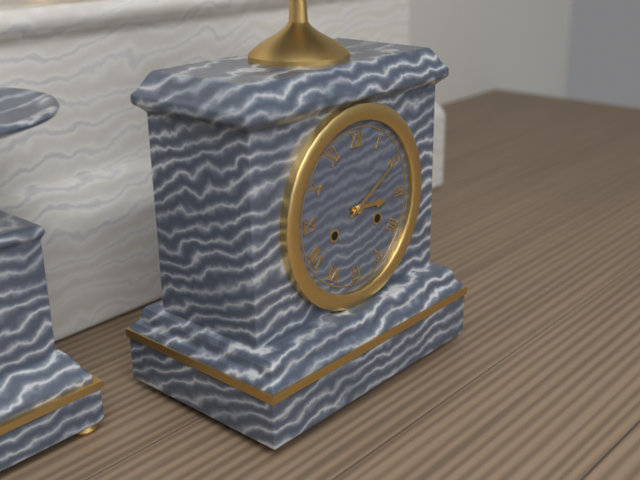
3:10
